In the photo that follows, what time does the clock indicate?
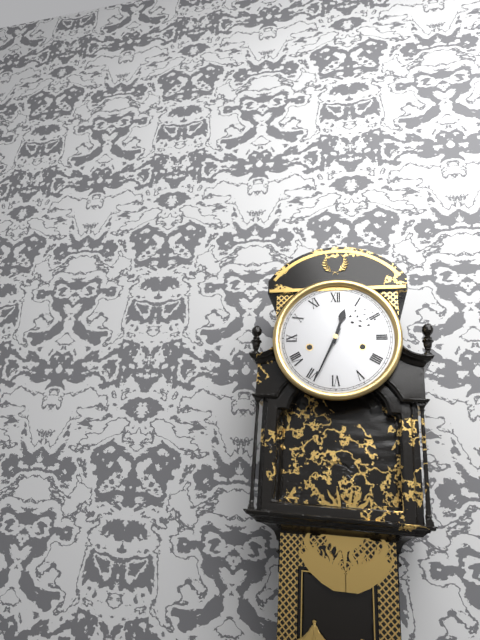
12:34
